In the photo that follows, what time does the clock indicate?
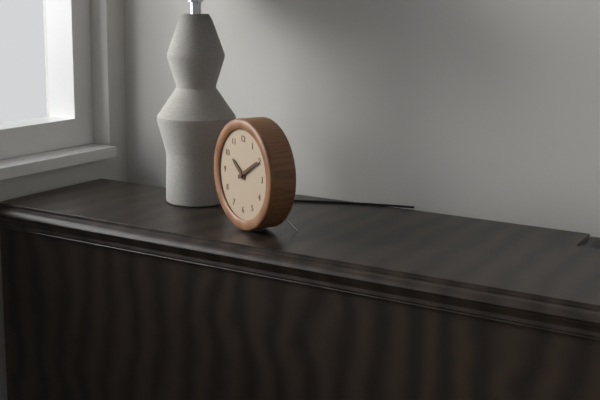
10:10
